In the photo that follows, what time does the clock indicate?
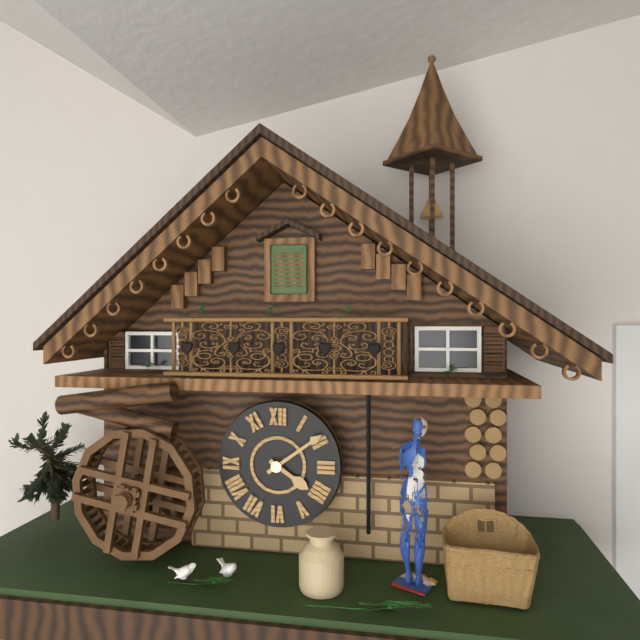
4:09
